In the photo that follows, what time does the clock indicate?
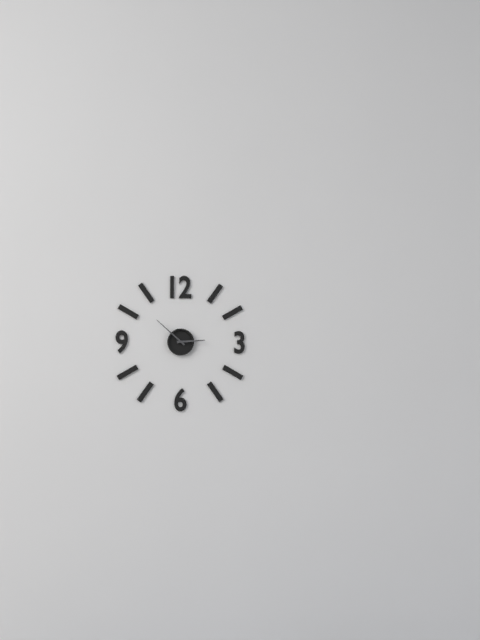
2:52
